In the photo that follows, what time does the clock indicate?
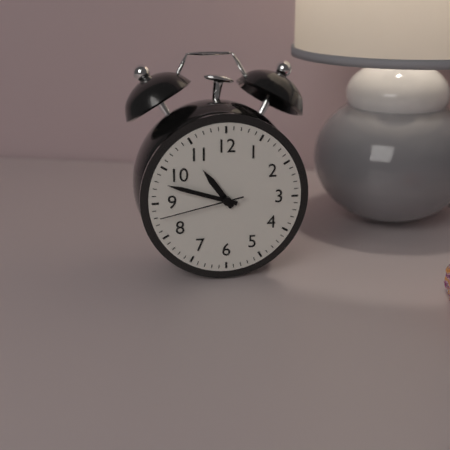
10:48:43
